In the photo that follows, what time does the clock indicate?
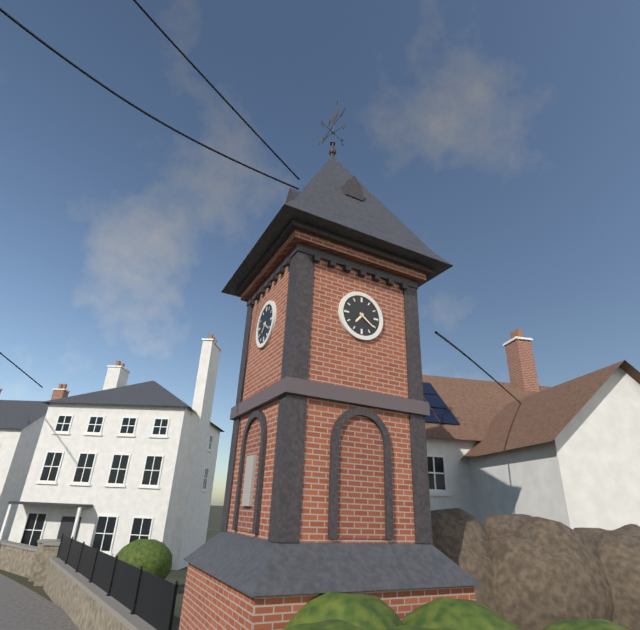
7:21
